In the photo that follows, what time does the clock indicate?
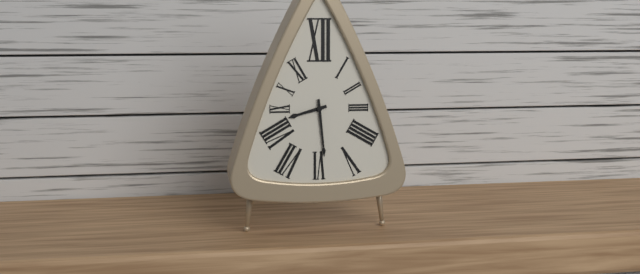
8:29
